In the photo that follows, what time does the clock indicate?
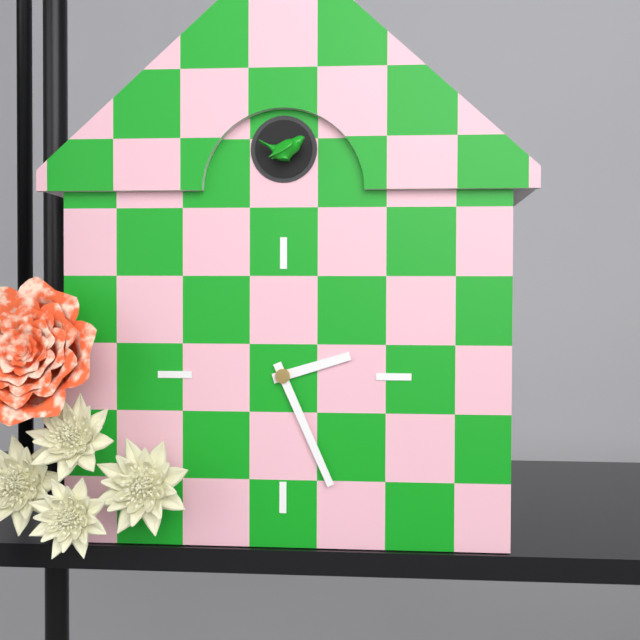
2:26
